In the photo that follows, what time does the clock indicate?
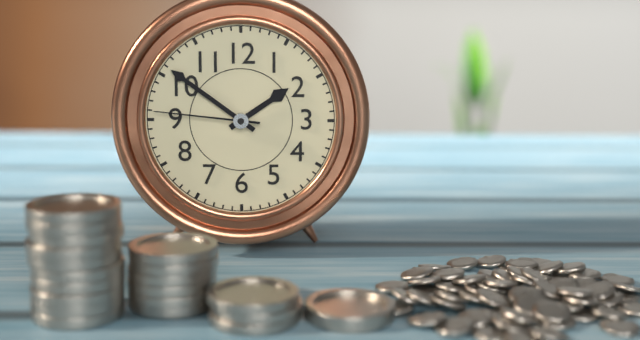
1:51:46
